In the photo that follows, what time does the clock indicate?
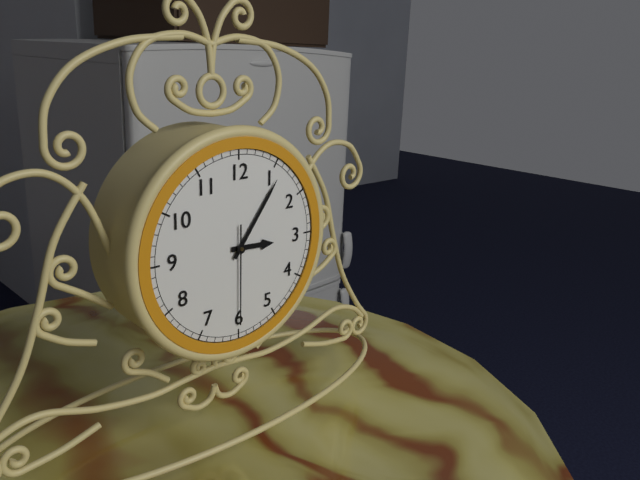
3:06:30
